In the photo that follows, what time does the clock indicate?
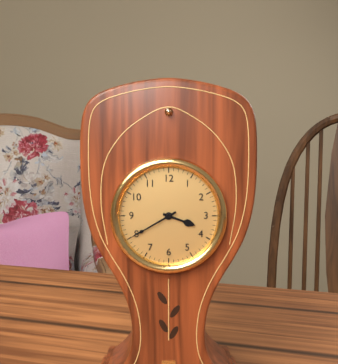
3:40
